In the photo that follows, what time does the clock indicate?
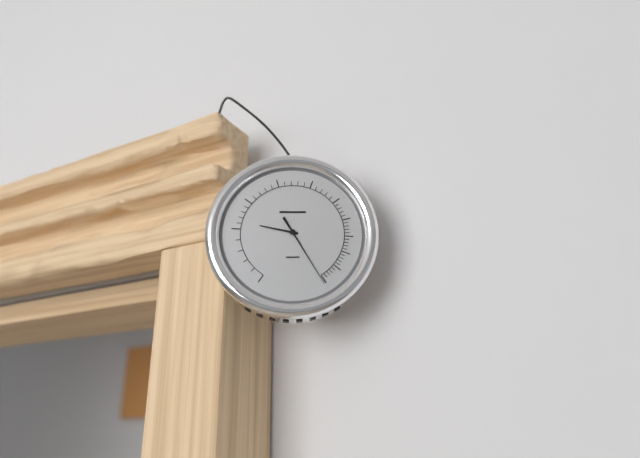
9:25
